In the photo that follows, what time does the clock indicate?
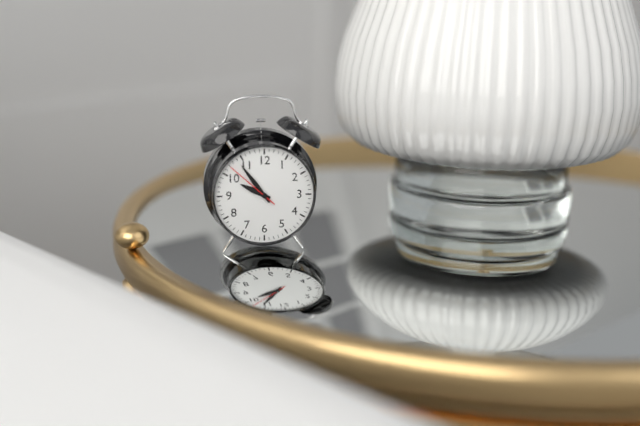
9:54:52
